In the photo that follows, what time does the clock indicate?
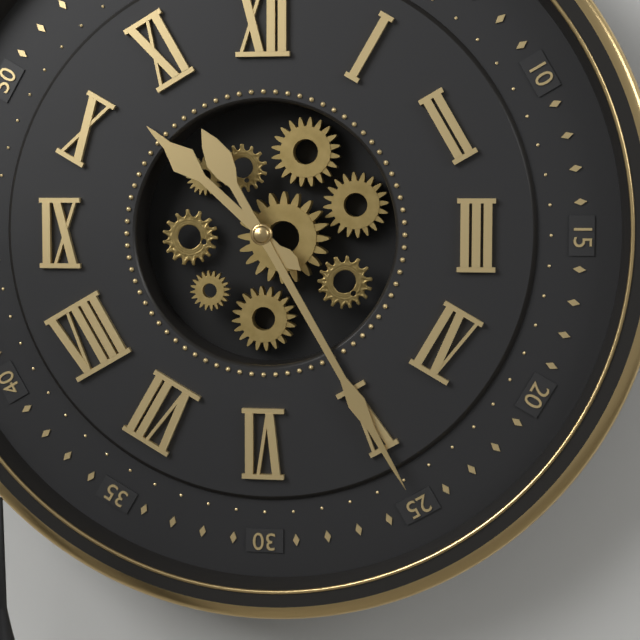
10:25
